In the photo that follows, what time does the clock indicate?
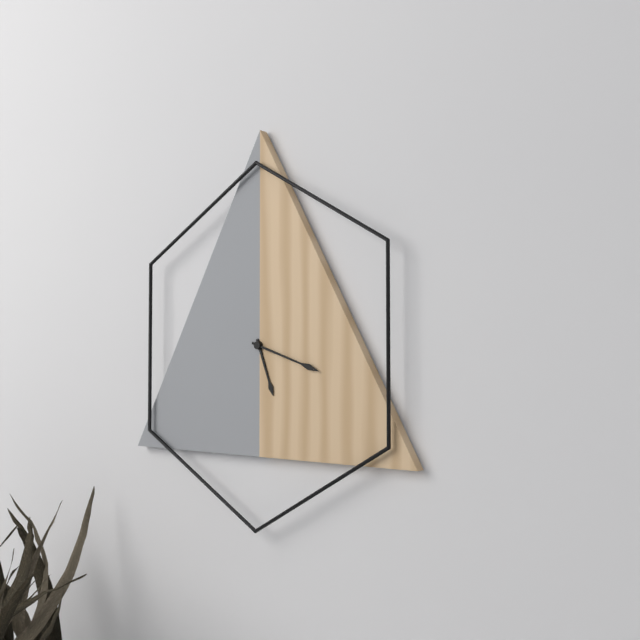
5:18
